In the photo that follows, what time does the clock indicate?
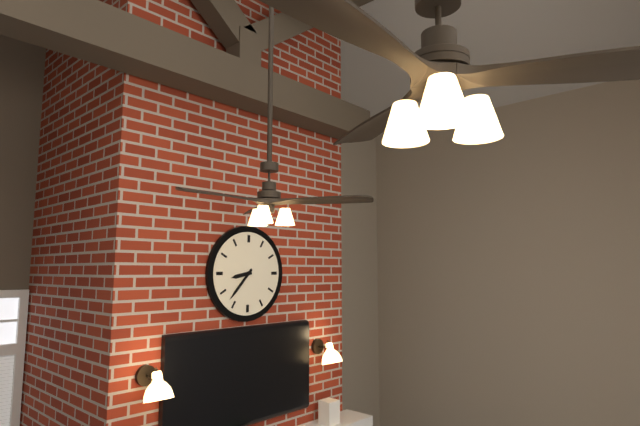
8:37
